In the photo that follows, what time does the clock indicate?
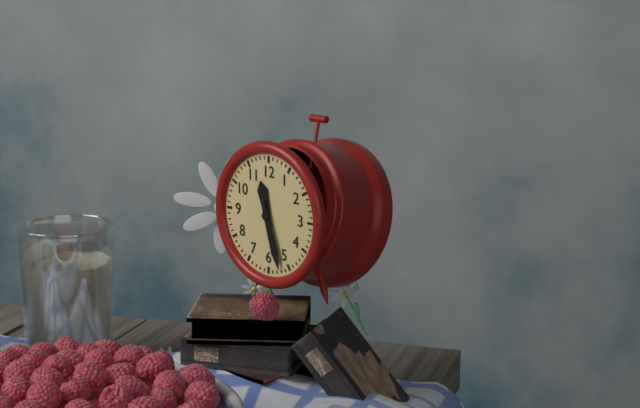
11:27
